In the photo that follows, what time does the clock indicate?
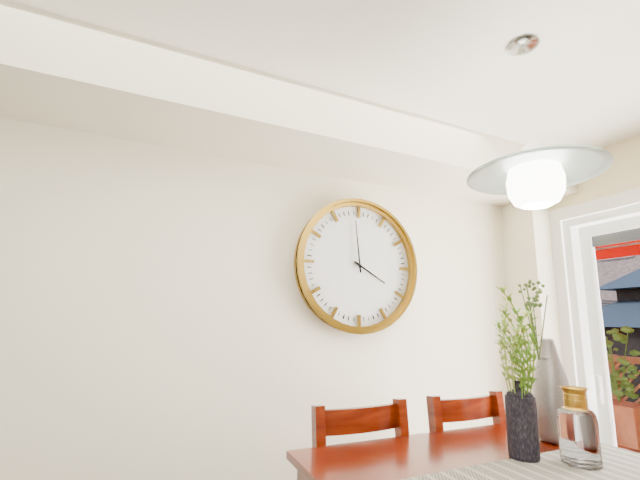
3:59
